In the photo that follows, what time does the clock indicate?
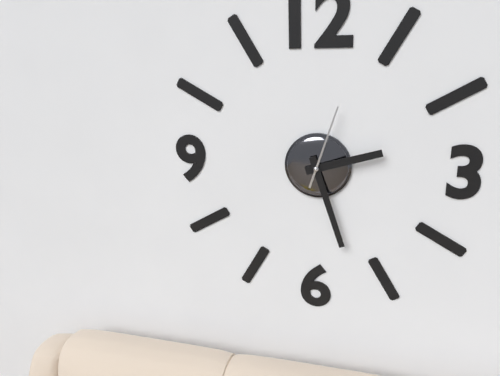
2:27:03
